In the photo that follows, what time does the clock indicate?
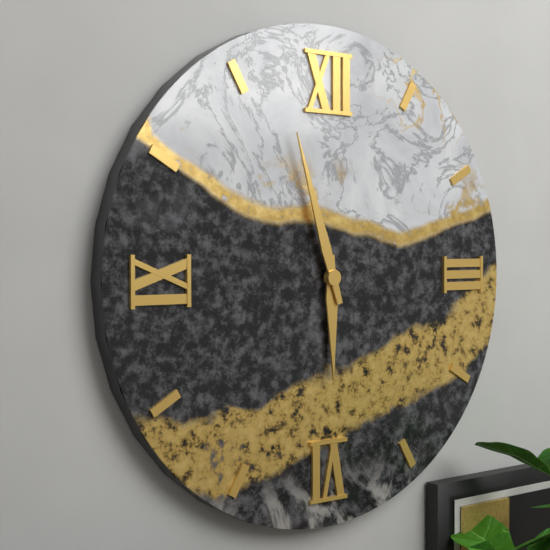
5:57
